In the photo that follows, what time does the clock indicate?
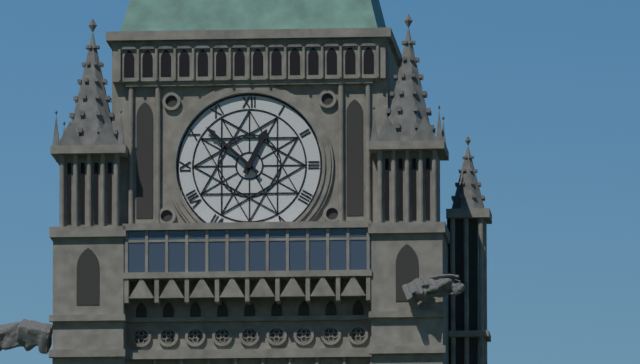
12:52
